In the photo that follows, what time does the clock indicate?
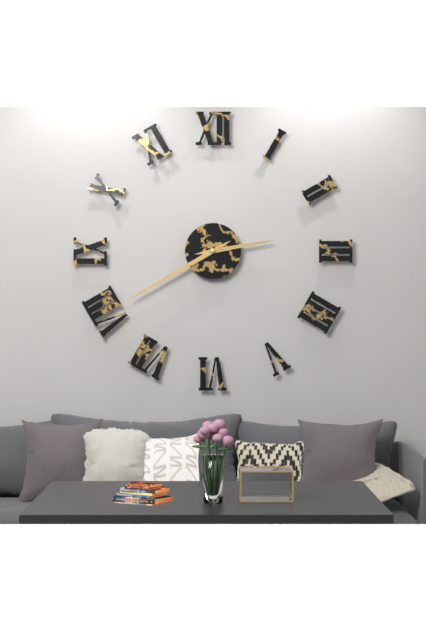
2:40
